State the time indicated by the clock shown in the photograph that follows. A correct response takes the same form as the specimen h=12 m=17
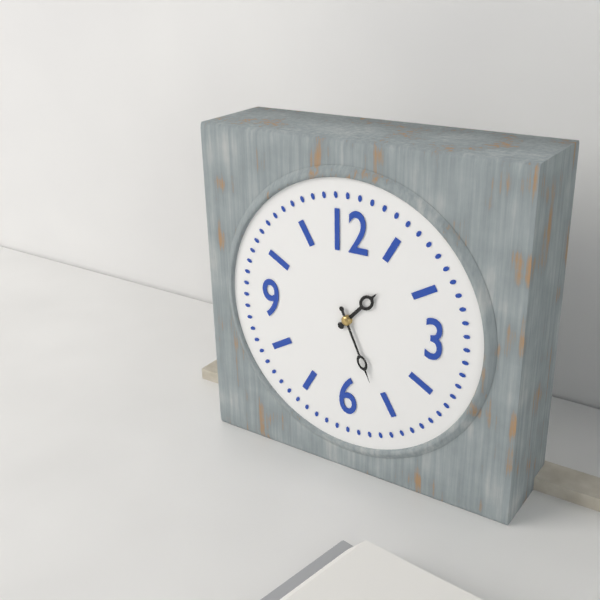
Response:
h=1 m=26
